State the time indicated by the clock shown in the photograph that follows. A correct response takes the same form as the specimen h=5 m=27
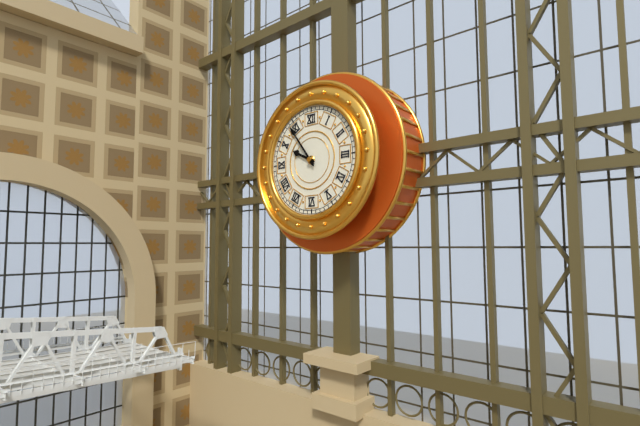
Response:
h=9 m=54
